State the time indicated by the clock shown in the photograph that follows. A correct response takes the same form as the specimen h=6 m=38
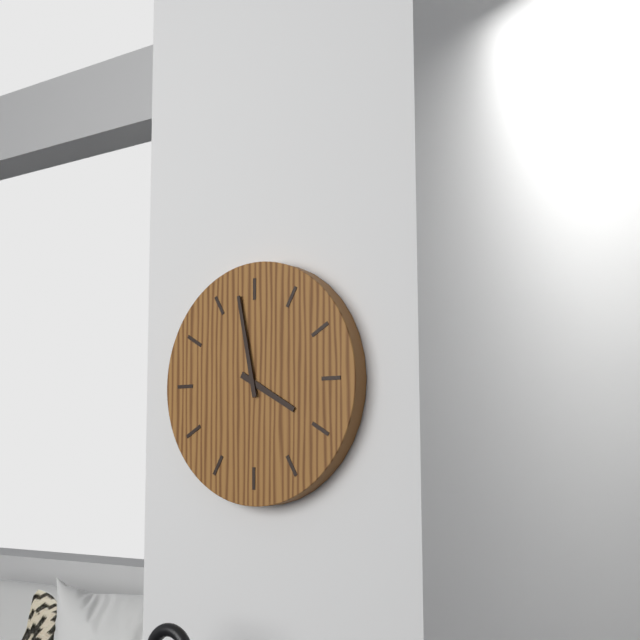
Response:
h=3 m=58
